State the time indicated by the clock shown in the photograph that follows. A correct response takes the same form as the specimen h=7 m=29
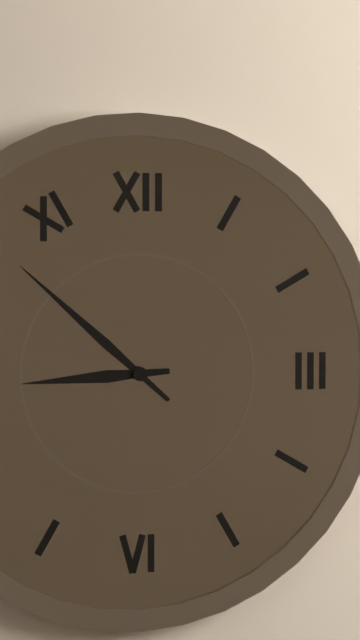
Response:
h=8 m=52
